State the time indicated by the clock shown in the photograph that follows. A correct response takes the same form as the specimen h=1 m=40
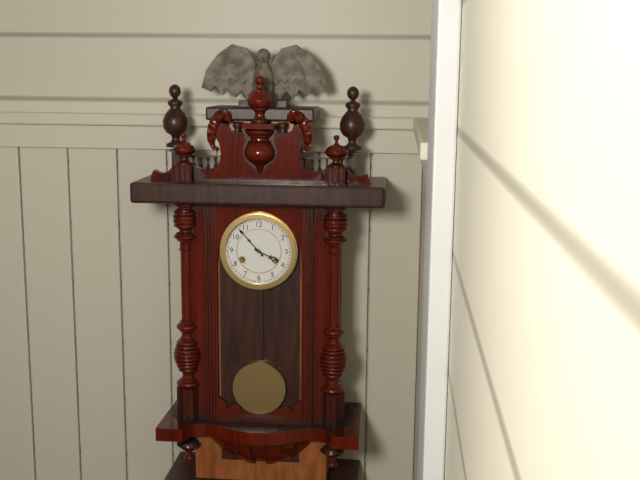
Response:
h=3 m=53
